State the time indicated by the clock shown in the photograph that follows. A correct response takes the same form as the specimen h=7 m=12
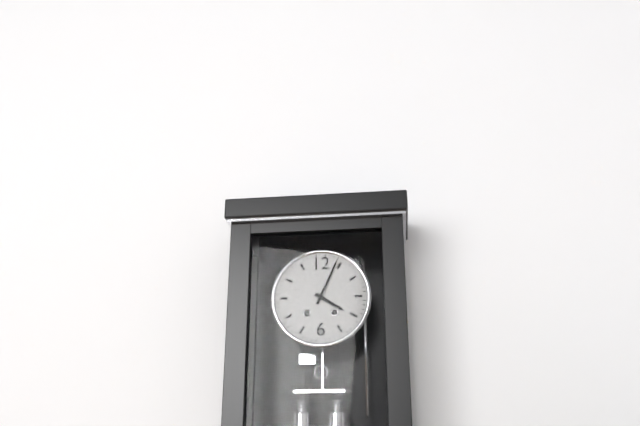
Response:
h=4 m=4
